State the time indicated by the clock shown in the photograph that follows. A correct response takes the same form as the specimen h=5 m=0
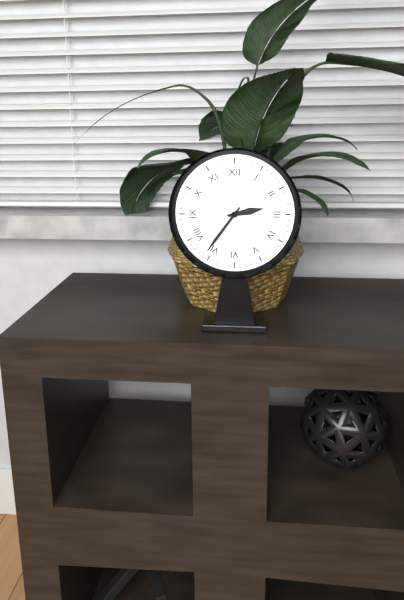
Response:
h=2 m=36
